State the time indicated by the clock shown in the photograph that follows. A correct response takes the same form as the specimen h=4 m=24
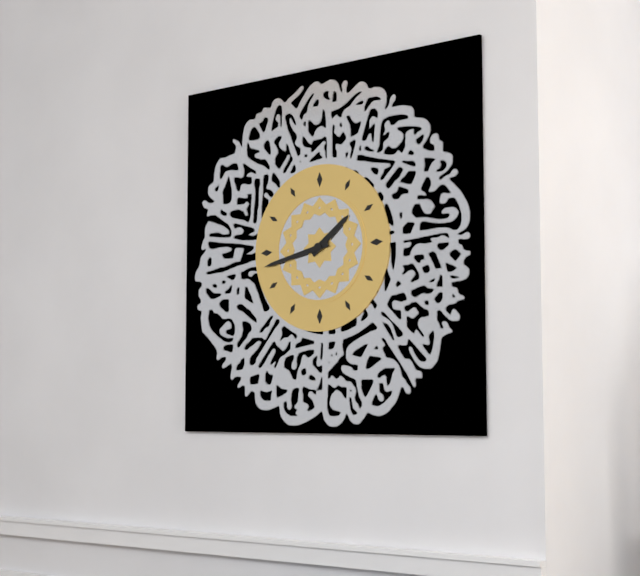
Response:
h=1 m=43
